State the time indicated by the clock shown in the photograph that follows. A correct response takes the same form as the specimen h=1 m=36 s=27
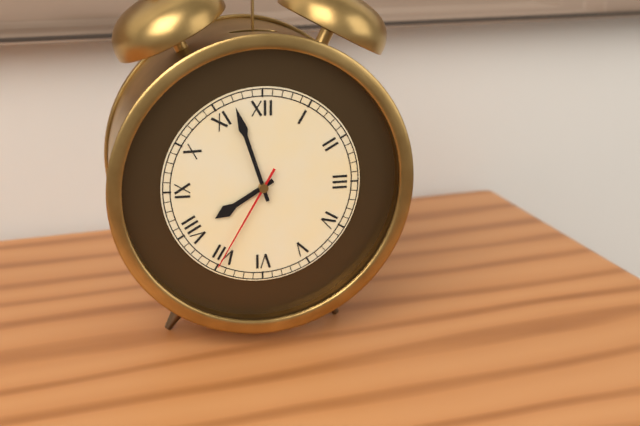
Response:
h=7 m=57 s=35
